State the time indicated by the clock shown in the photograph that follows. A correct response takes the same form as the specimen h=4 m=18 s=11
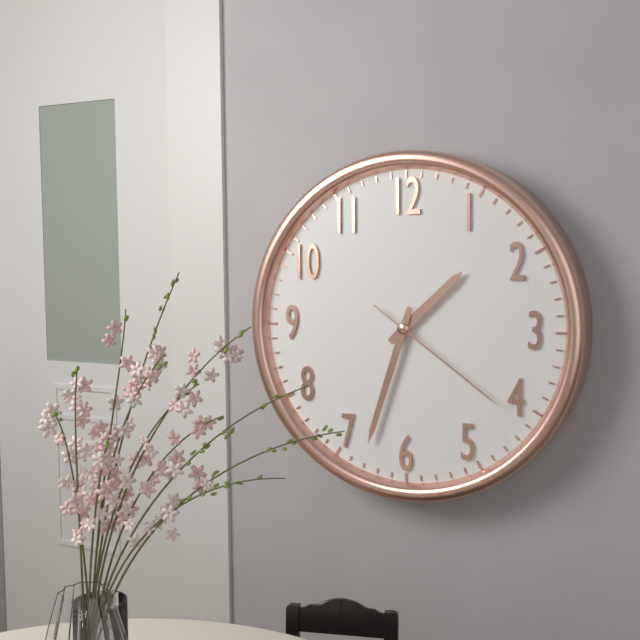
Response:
h=1 m=33 s=21
